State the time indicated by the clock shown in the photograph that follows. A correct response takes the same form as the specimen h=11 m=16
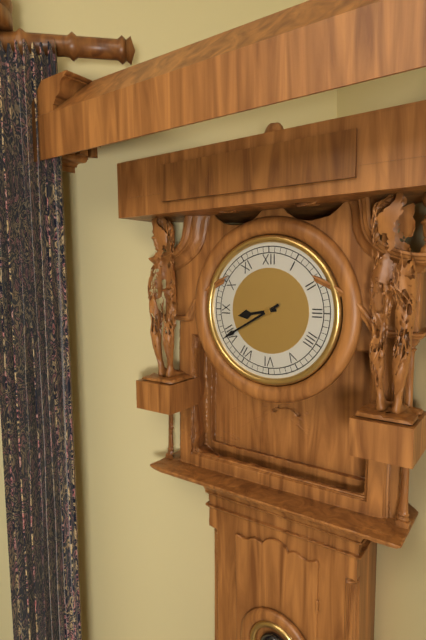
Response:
h=8 m=40
